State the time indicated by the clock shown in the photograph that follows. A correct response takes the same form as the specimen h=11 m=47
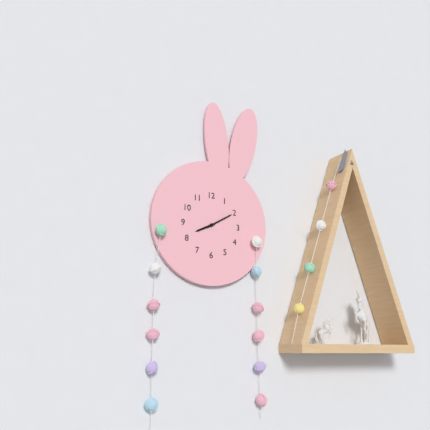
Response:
h=8 m=10
